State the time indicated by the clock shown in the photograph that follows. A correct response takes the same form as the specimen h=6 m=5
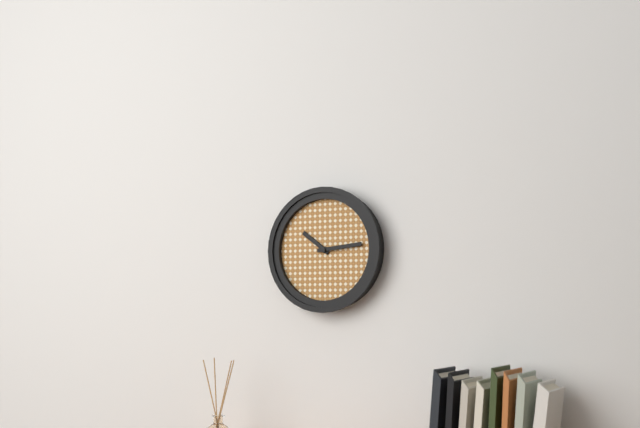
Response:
h=10 m=14
